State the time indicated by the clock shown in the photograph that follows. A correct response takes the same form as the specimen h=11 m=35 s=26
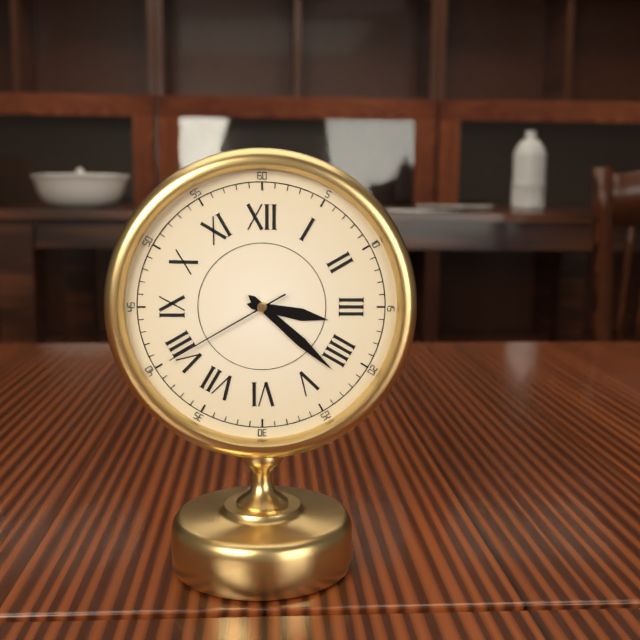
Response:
h=3 m=22 s=40
